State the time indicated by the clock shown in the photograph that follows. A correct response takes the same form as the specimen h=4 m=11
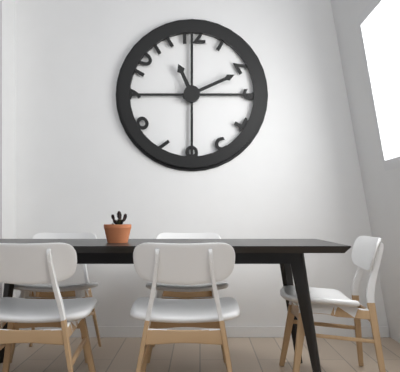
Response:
h=11 m=11
